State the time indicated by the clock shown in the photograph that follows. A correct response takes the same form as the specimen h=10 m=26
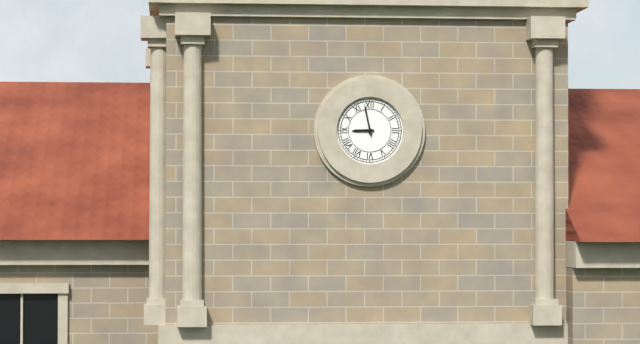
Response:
h=8 m=58
